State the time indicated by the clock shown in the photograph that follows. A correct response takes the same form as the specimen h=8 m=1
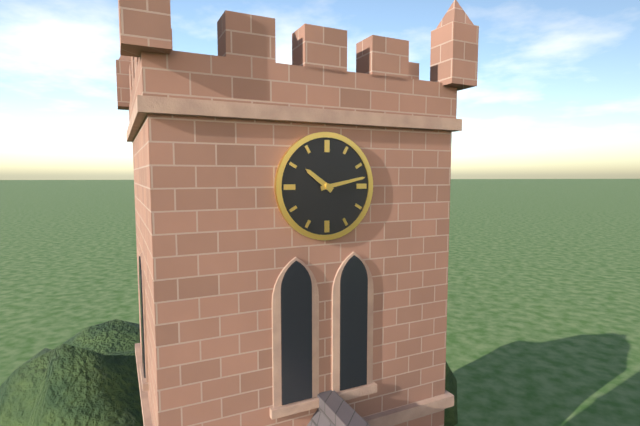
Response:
h=10 m=13
